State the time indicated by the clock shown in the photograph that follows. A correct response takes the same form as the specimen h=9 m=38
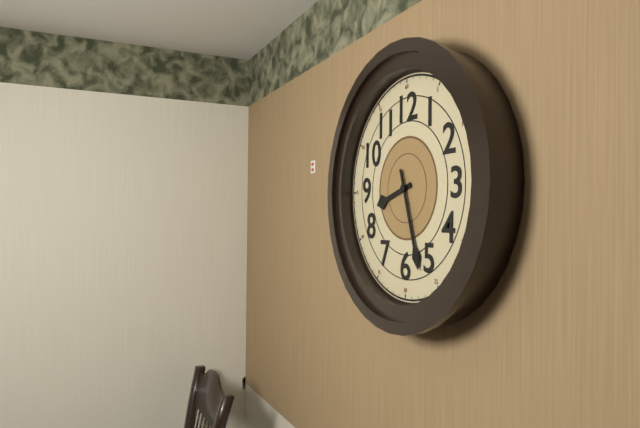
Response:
h=8 m=27
